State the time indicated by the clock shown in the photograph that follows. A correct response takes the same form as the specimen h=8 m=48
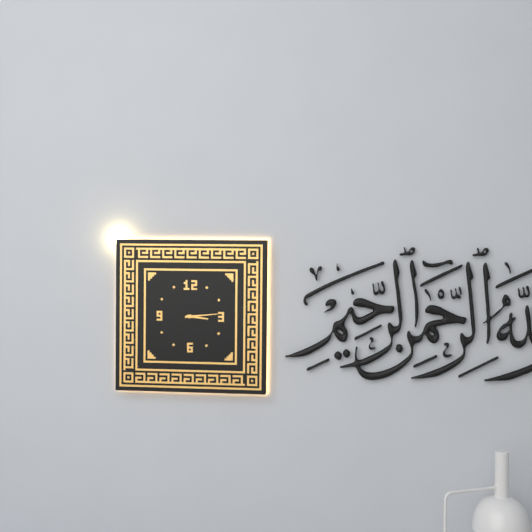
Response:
h=3 m=14
